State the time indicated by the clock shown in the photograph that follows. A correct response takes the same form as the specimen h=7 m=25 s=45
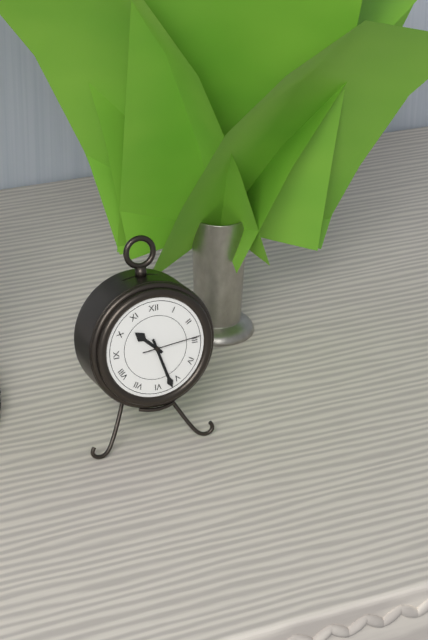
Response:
h=10 m=27 s=14
